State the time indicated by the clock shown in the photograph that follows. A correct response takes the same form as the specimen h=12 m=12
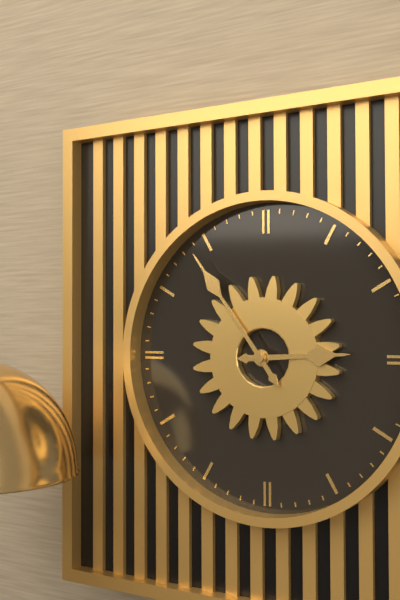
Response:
h=2 m=54
